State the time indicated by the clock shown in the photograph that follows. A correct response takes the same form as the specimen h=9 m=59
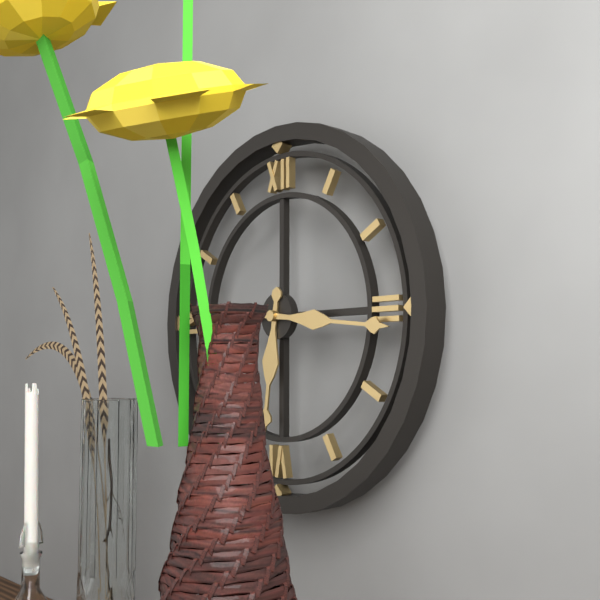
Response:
h=6 m=16
